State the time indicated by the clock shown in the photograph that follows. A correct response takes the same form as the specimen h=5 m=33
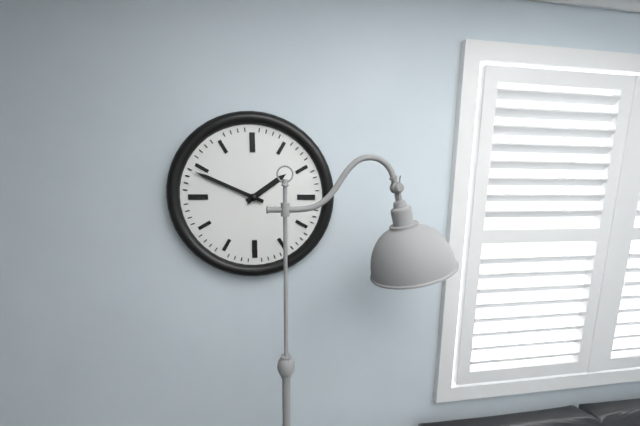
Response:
h=1 m=49
